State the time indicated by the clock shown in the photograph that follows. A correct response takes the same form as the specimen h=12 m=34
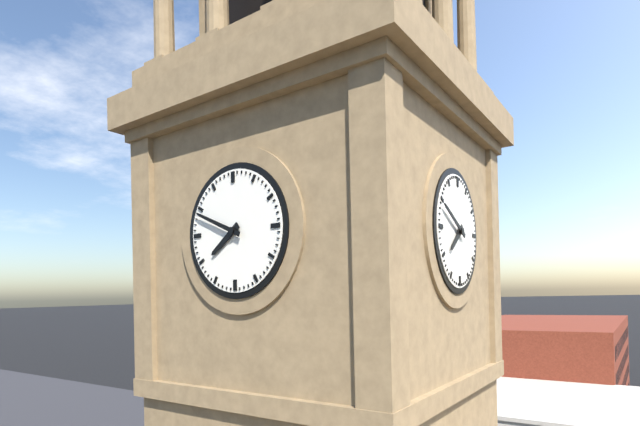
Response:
h=7 m=49
